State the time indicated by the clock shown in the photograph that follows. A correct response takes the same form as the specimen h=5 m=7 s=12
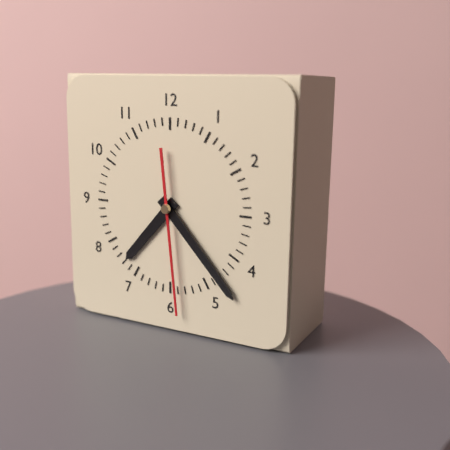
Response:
h=7 m=23 s=29
